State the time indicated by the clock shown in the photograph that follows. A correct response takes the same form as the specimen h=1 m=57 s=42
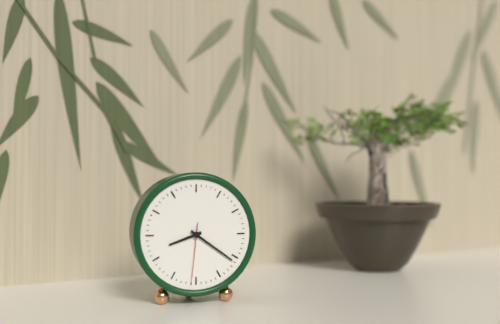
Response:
h=8 m=21 s=31
